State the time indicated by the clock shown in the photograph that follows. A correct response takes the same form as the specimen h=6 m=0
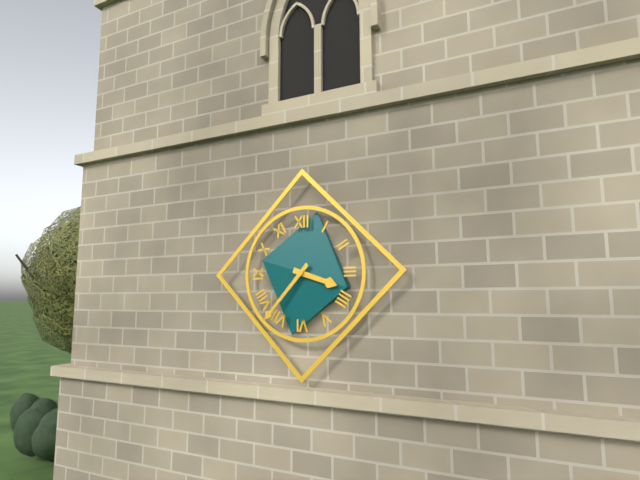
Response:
h=3 m=37
